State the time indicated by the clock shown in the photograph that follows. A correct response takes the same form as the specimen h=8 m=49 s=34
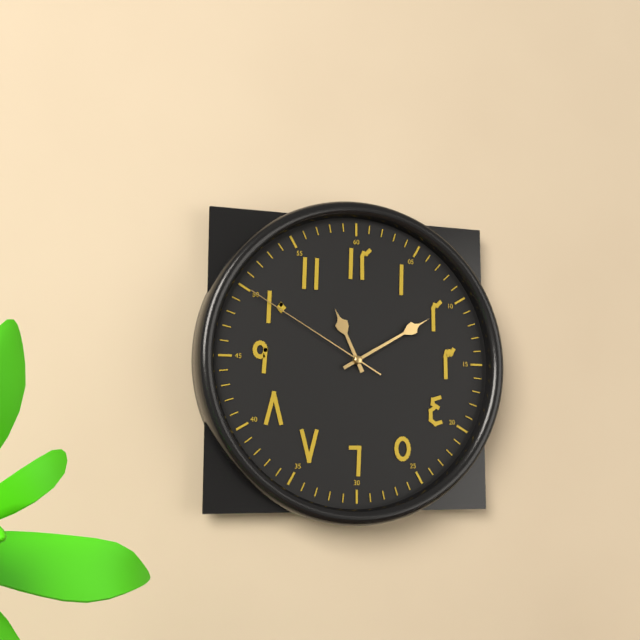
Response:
h=11 m=10 s=50
